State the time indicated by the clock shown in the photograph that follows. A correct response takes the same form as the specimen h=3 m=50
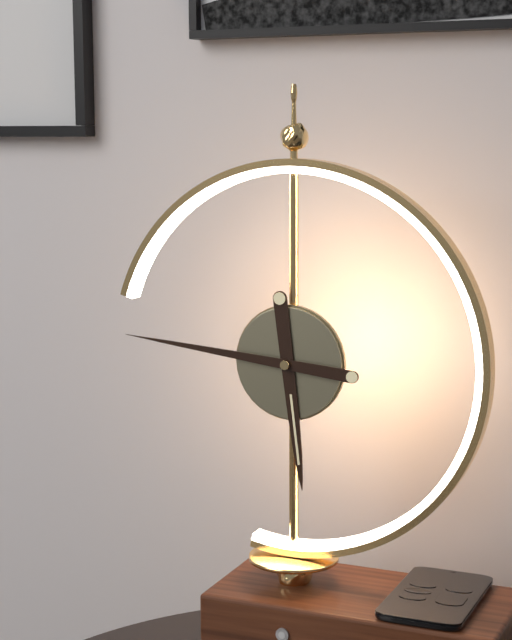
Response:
h=5 m=46
